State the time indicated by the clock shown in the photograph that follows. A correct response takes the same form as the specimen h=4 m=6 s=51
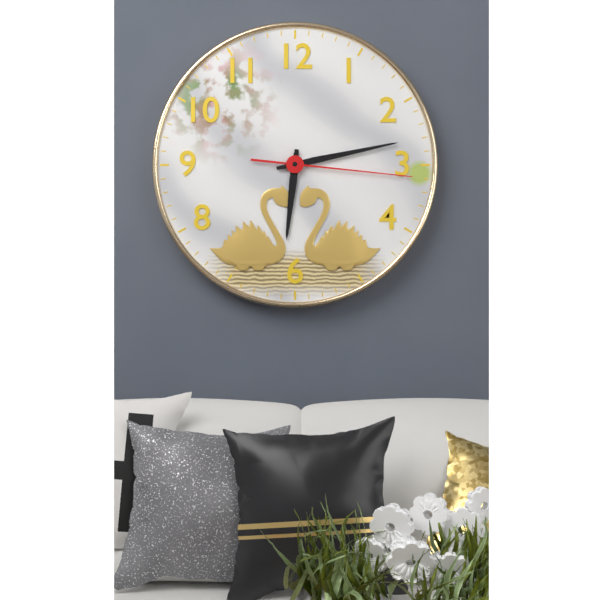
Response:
h=6 m=13 s=16
